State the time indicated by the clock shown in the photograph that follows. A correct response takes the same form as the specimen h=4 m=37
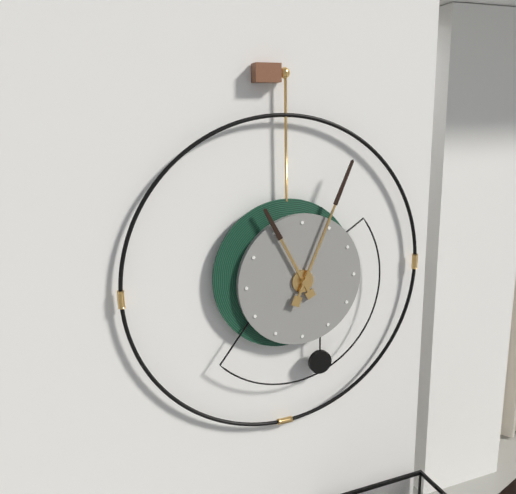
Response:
h=11 m=4
